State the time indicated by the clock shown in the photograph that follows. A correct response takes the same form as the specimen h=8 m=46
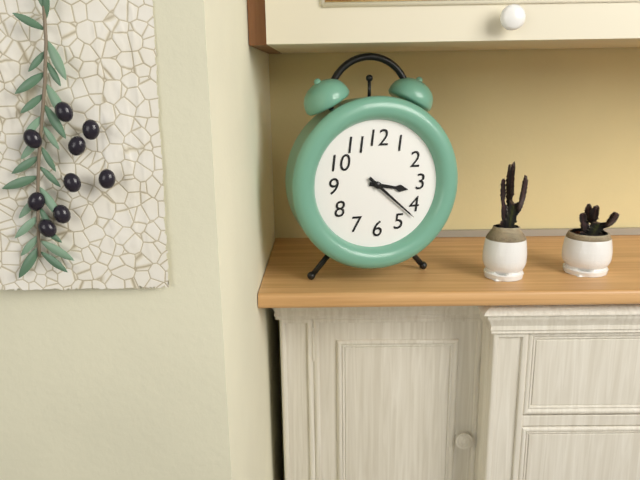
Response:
h=3 m=22
